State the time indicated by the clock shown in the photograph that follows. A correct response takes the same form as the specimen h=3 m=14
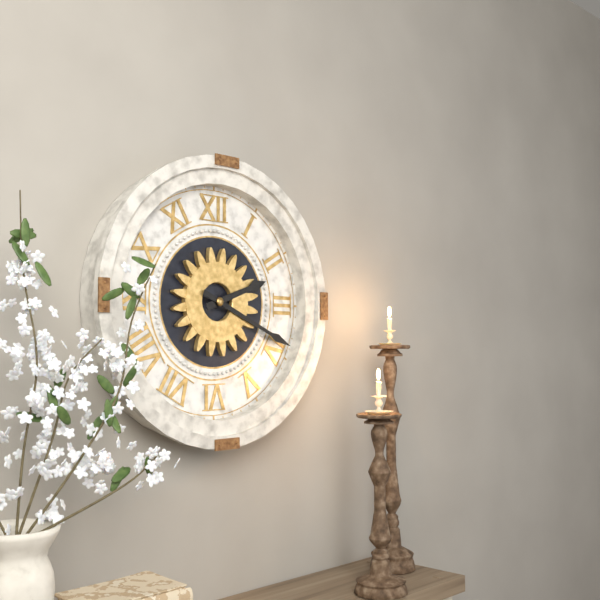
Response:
h=2 m=19
